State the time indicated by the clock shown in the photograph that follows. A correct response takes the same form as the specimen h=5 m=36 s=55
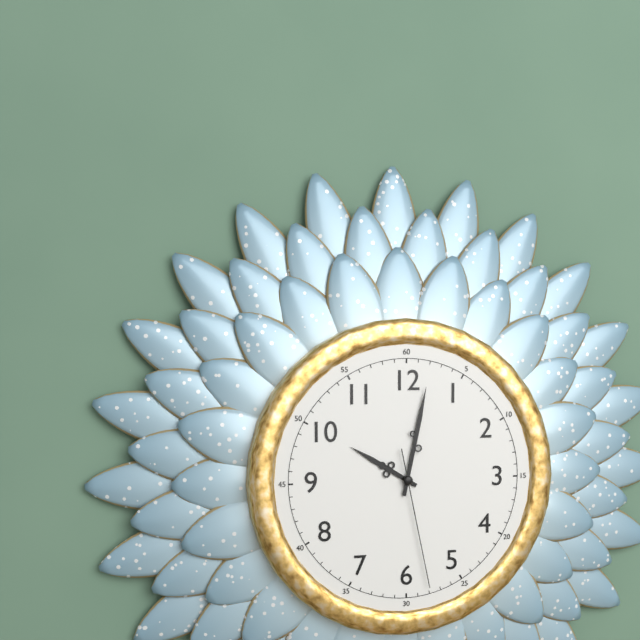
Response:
h=10 m=2 s=28
